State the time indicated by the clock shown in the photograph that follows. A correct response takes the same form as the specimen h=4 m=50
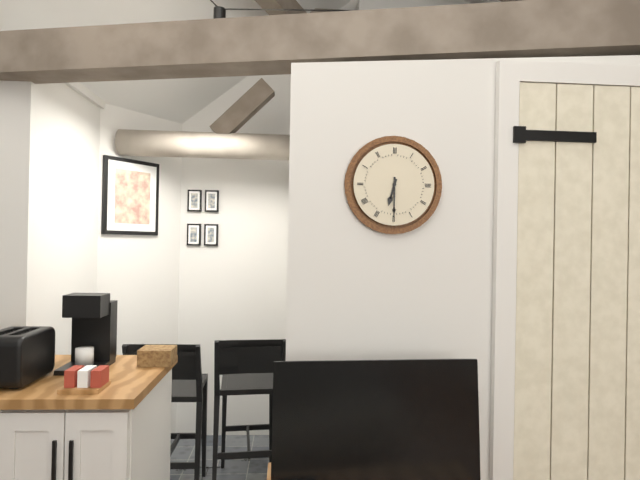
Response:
h=6 m=30
